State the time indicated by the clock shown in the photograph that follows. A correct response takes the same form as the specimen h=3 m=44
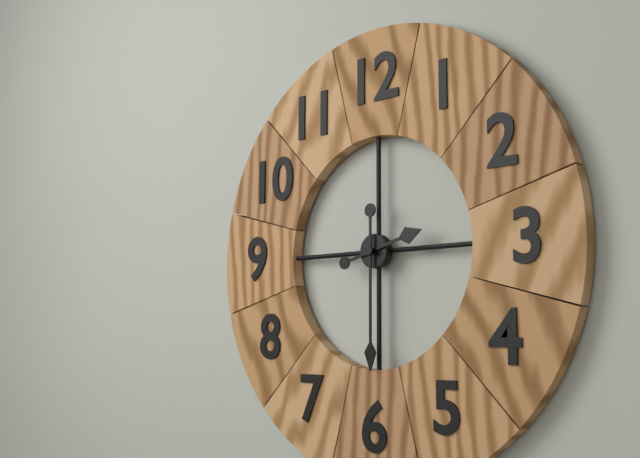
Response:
h=2 m=30
